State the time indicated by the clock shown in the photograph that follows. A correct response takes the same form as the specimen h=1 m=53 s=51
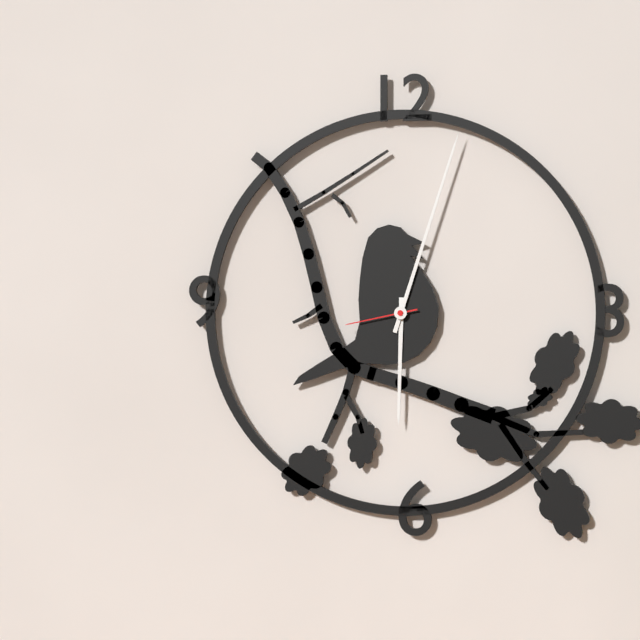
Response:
h=6 m=3 s=43
